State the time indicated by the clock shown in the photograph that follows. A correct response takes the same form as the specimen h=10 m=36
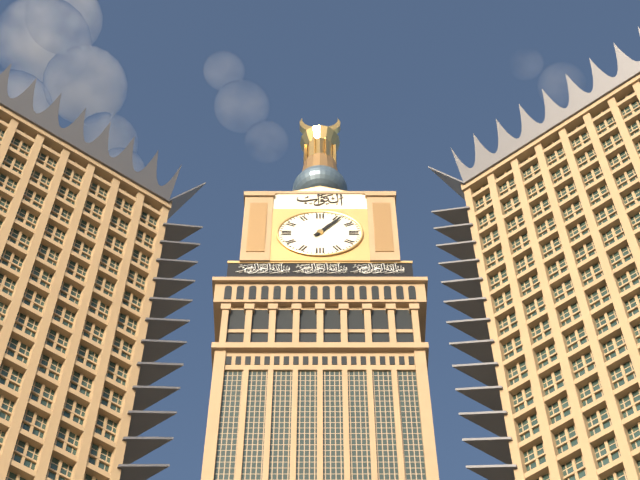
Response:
h=1 m=6
